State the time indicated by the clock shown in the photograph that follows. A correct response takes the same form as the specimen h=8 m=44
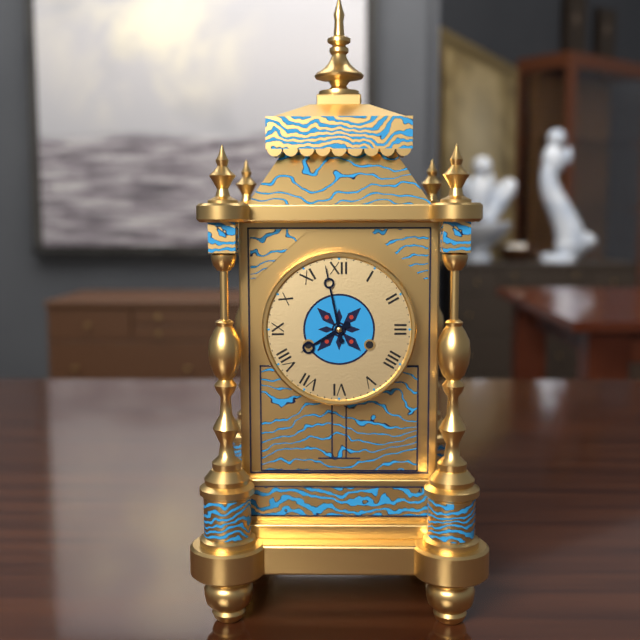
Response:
h=7 m=58
